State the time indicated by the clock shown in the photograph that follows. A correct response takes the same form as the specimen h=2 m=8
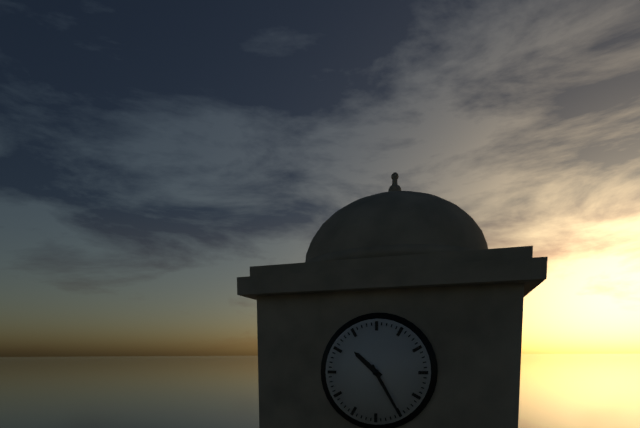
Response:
h=10 m=25
